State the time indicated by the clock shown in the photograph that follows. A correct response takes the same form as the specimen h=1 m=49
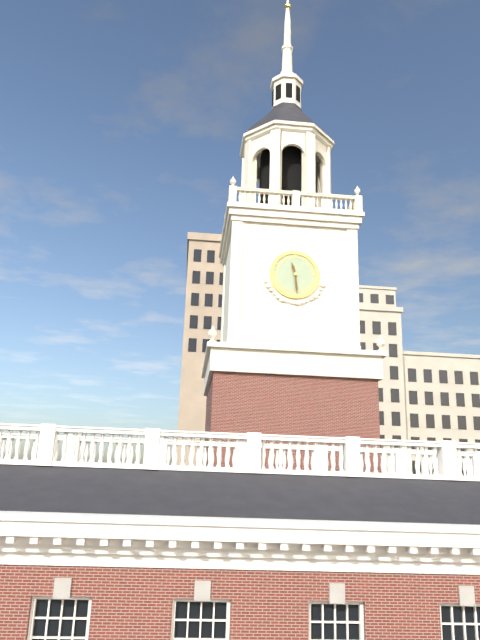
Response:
h=11 m=29
